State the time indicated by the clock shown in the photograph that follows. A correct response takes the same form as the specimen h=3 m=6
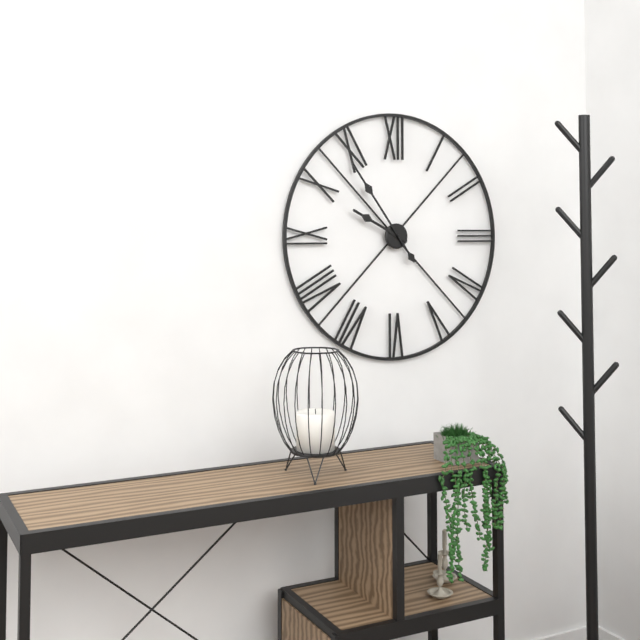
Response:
h=9 m=54
